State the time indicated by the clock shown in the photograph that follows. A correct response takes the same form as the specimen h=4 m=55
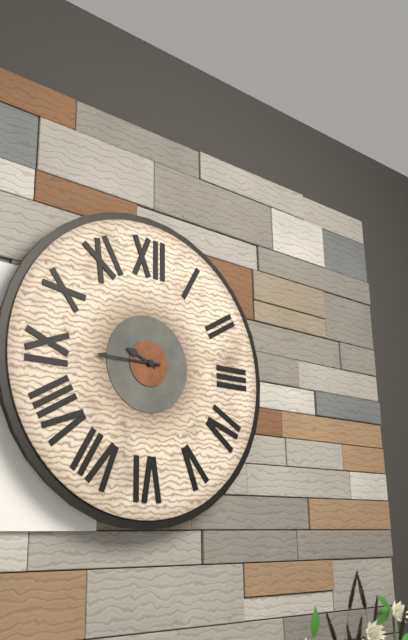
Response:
h=9 m=45
